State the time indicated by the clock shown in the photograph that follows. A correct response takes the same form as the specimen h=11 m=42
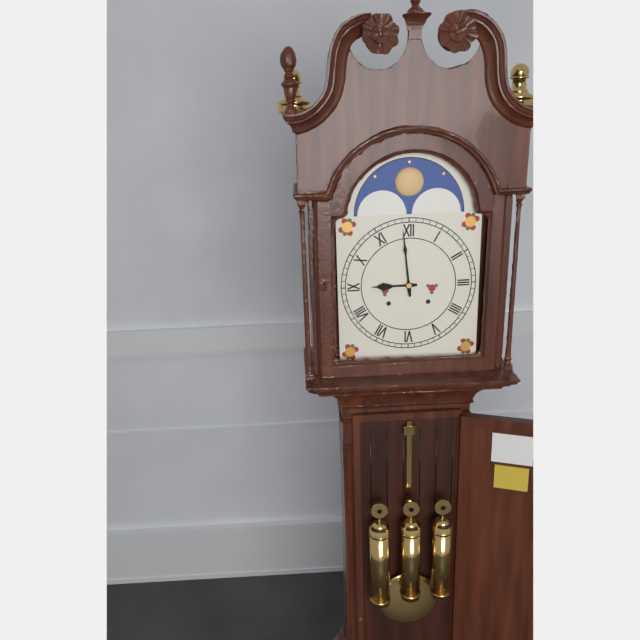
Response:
h=8 m=59
